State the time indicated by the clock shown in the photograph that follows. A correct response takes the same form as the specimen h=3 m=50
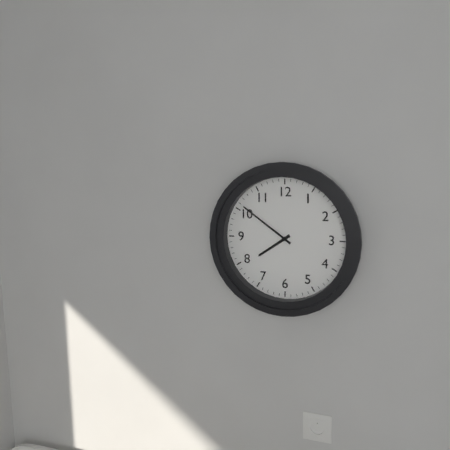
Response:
h=7 m=51
